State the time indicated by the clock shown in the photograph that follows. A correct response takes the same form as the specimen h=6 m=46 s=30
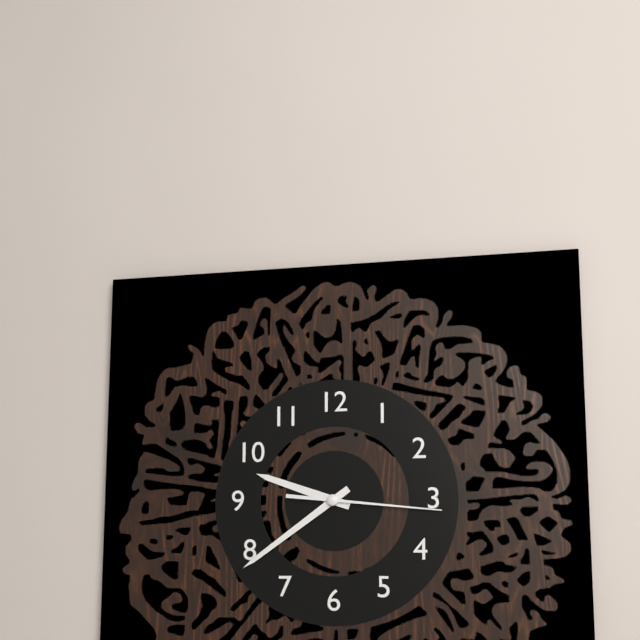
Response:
h=9 m=39 s=16
